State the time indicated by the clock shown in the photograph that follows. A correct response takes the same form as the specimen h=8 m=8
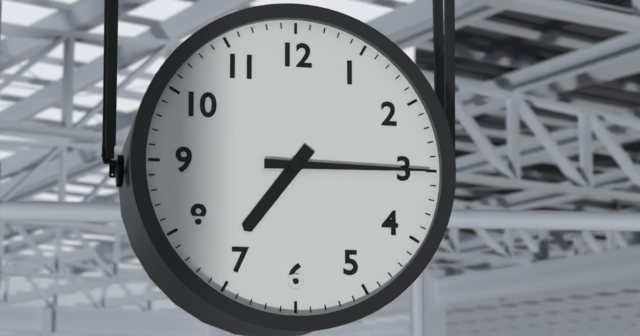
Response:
h=7 m=15
